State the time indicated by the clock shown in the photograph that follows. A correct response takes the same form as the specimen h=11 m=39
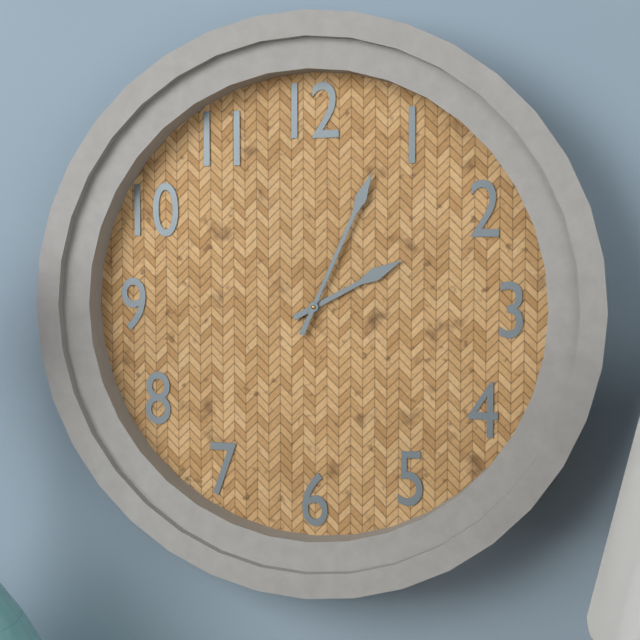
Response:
h=2 m=4
